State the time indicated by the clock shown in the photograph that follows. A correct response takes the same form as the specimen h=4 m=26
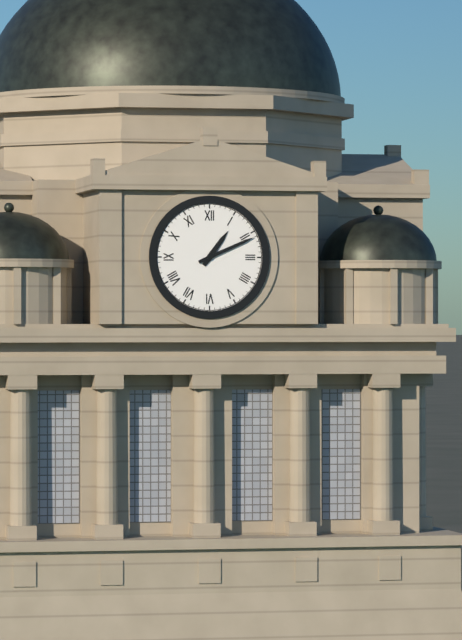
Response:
h=1 m=11
